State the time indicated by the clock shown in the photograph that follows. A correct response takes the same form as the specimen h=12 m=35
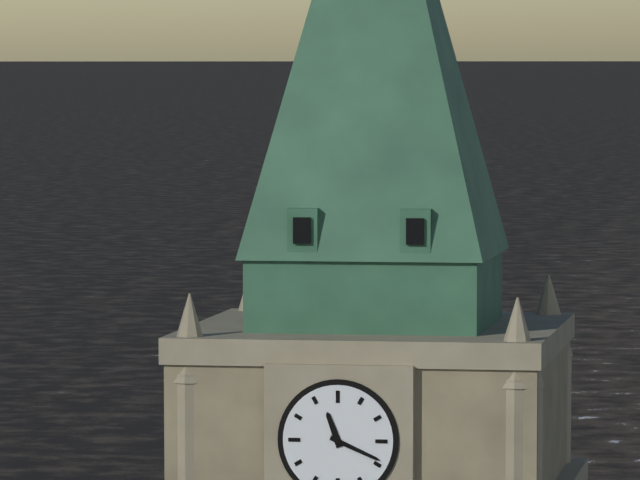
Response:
h=11 m=19
